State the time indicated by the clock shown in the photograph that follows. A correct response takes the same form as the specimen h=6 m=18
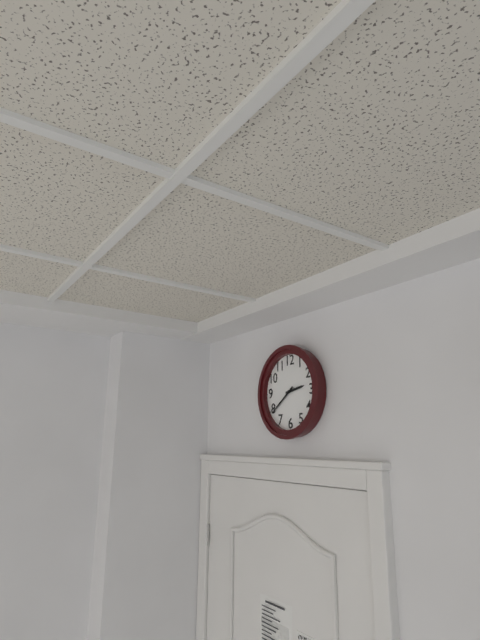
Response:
h=2 m=39
